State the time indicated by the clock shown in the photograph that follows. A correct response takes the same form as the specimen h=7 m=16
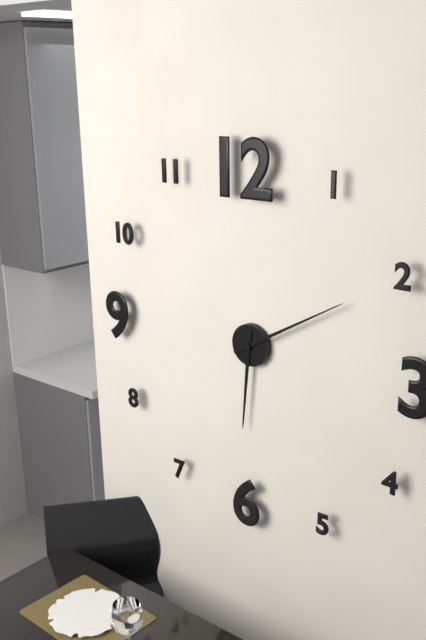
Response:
h=6 m=10
